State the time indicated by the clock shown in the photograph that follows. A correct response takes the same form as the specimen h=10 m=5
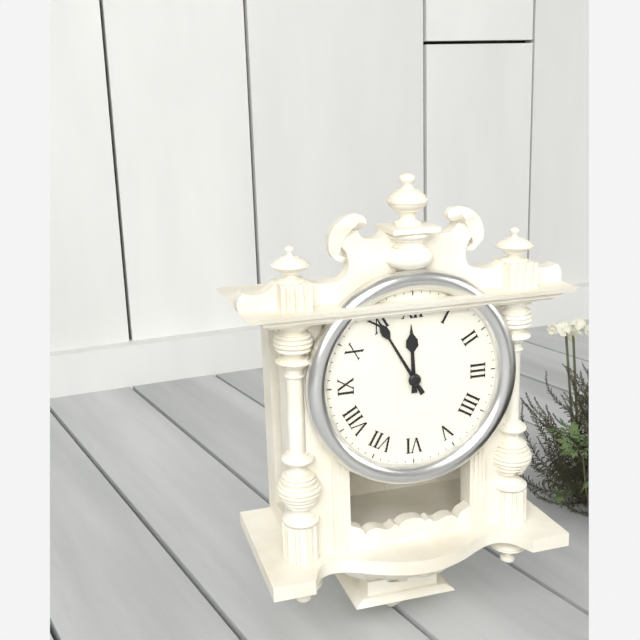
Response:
h=11 m=55
